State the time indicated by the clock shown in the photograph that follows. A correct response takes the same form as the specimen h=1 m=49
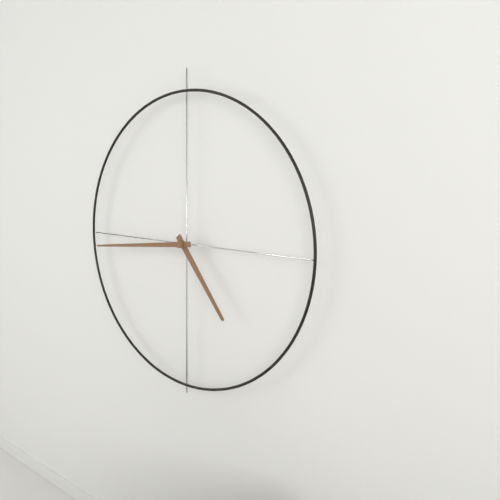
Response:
h=4 m=44
